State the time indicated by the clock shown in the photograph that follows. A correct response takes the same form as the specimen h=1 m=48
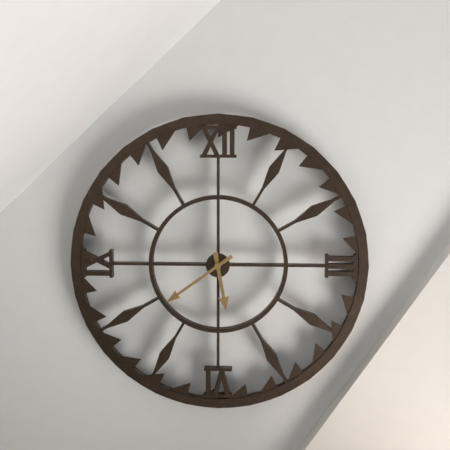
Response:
h=5 m=39
